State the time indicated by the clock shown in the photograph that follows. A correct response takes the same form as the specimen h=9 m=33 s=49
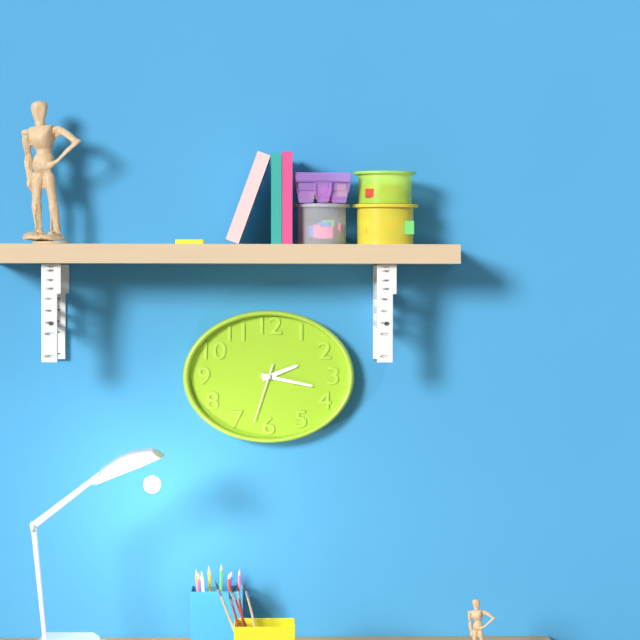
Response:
h=2 m=17 s=33
